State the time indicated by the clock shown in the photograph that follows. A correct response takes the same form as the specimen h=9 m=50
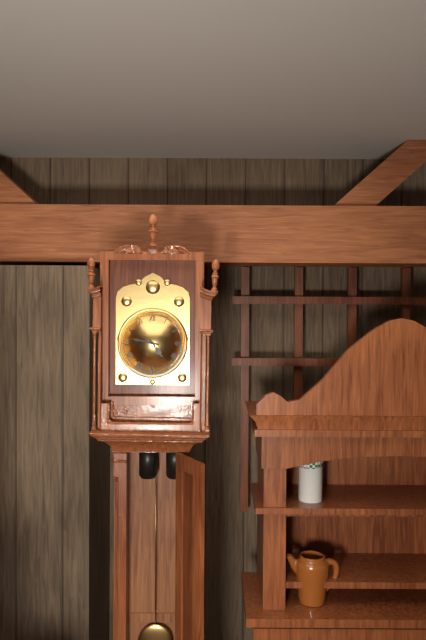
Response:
h=4 m=47
